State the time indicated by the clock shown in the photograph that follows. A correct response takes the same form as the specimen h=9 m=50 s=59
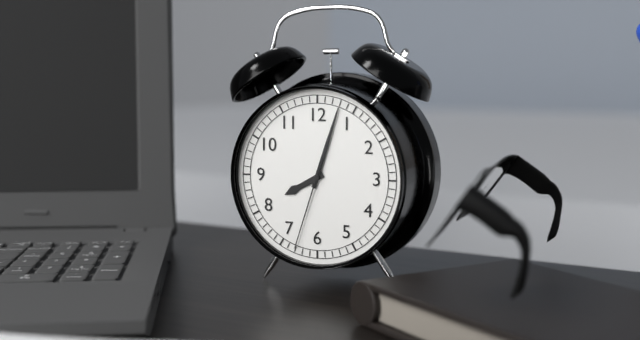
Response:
h=8 m=3 s=33
